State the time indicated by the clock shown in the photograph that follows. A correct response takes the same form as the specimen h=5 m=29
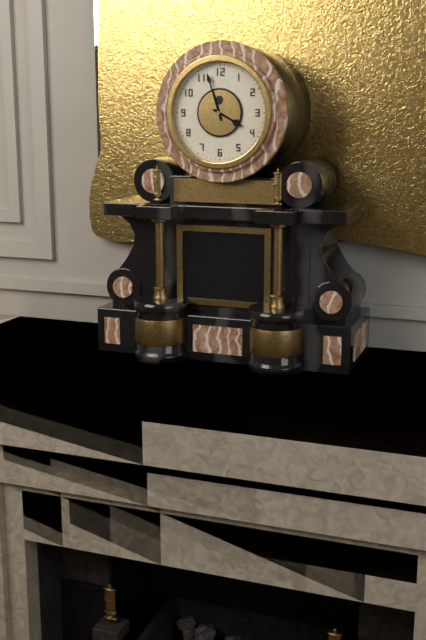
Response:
h=3 m=57
